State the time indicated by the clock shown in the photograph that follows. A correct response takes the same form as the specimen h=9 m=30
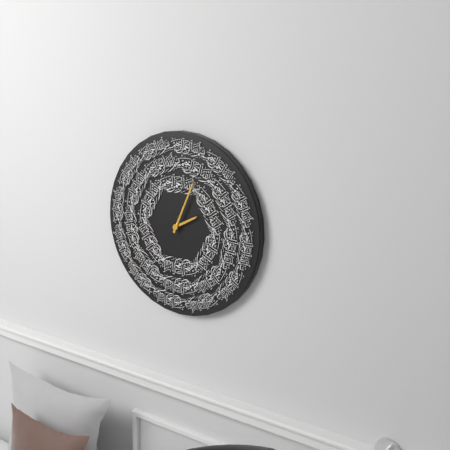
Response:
h=2 m=4
